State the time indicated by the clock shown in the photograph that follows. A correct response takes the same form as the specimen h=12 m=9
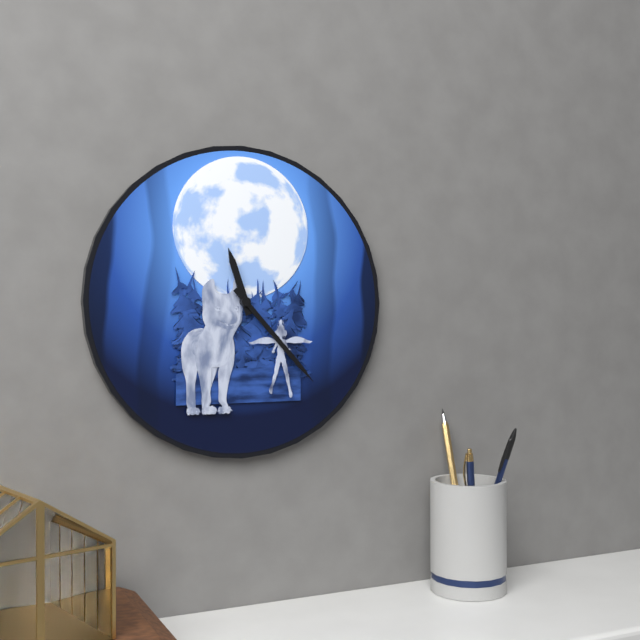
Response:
h=11 m=23
